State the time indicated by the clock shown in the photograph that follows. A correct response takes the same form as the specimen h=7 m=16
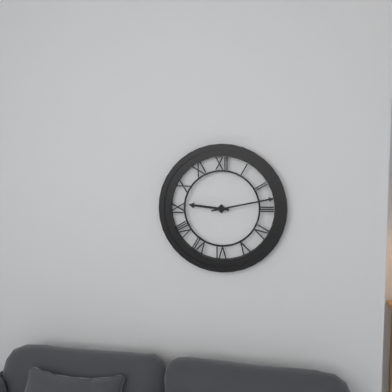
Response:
h=9 m=13
